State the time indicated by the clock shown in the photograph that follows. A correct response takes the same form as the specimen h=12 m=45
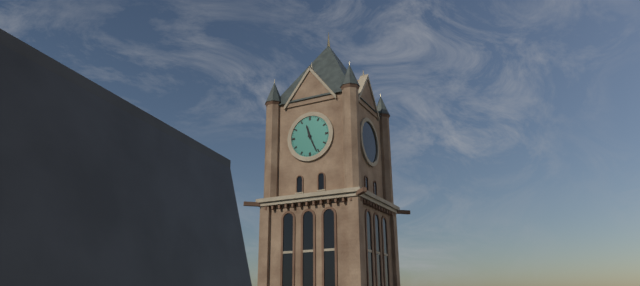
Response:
h=11 m=26
